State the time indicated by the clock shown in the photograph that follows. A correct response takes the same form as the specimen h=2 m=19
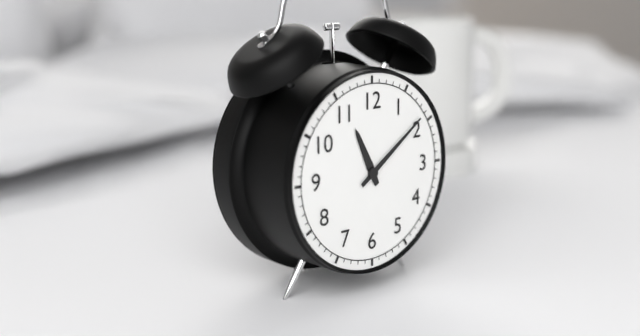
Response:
h=11 m=9
